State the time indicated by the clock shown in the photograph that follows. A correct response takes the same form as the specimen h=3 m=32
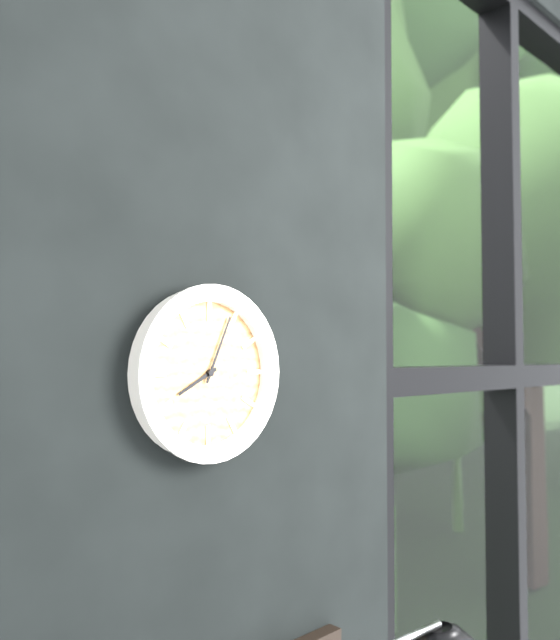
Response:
h=8 m=4
